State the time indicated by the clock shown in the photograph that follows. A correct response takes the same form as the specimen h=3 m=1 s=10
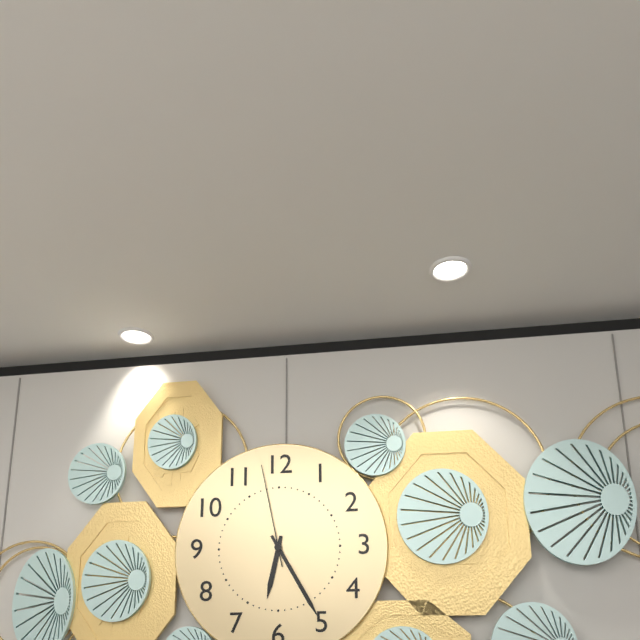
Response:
h=6 m=25 s=58
